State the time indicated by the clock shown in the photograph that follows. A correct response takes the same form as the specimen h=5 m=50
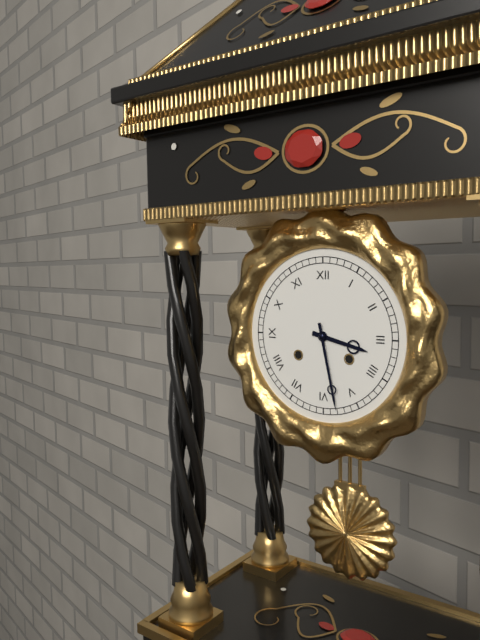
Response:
h=3 m=28
